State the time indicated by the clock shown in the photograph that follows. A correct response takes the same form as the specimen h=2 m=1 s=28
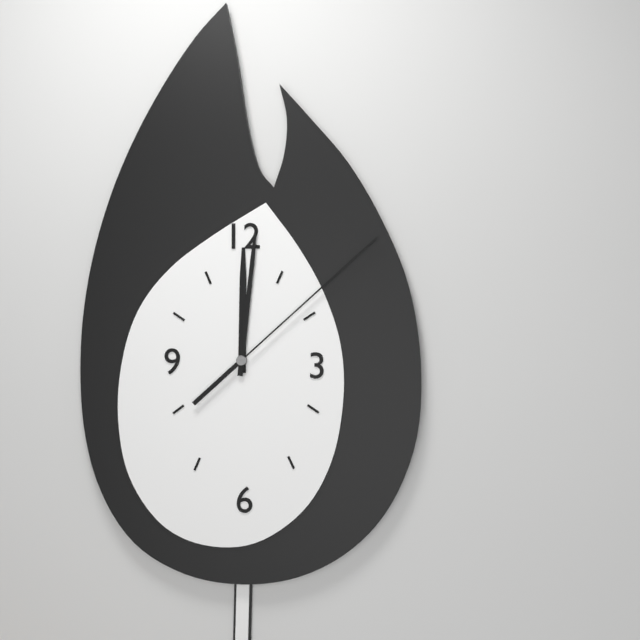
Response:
h=12 m=1 s=8
